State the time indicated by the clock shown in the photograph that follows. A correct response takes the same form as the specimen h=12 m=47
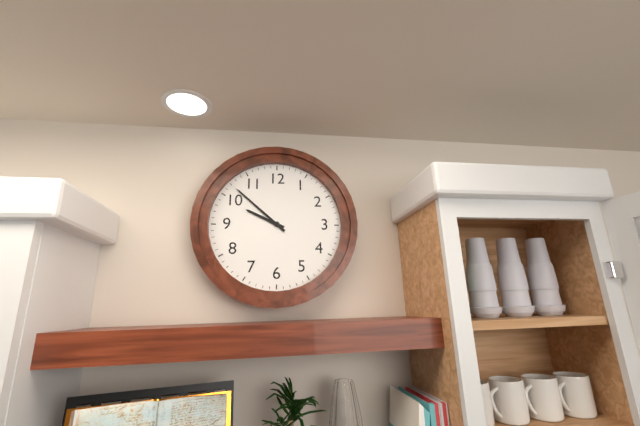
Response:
h=9 m=52
